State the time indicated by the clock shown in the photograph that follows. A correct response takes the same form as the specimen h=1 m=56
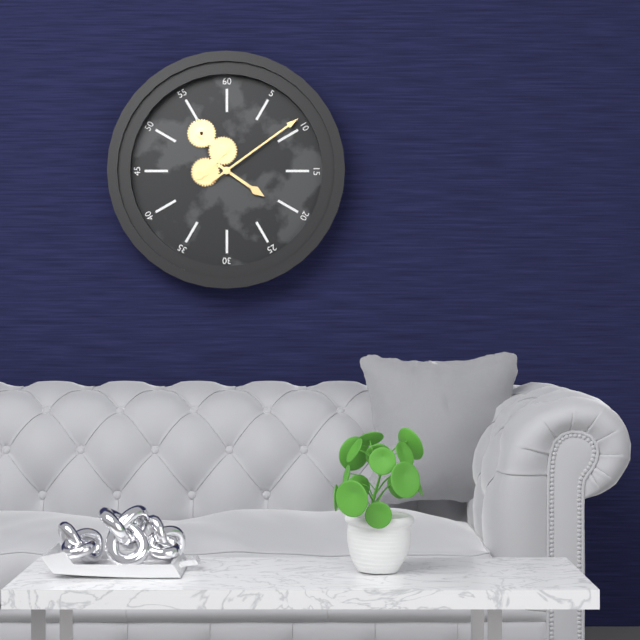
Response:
h=4 m=9
